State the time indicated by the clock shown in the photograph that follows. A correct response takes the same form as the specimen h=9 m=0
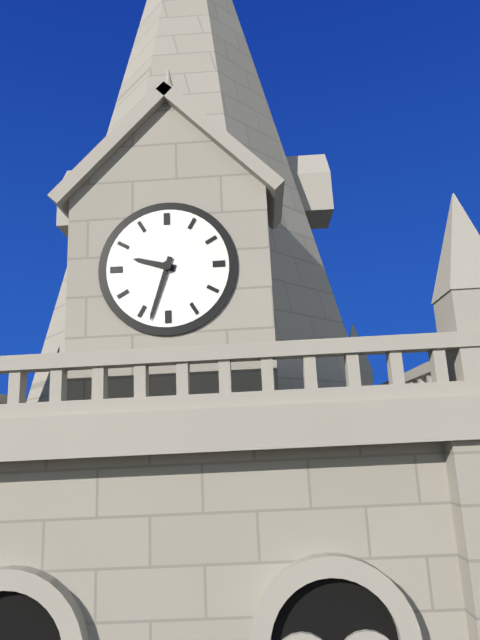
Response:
h=9 m=33
